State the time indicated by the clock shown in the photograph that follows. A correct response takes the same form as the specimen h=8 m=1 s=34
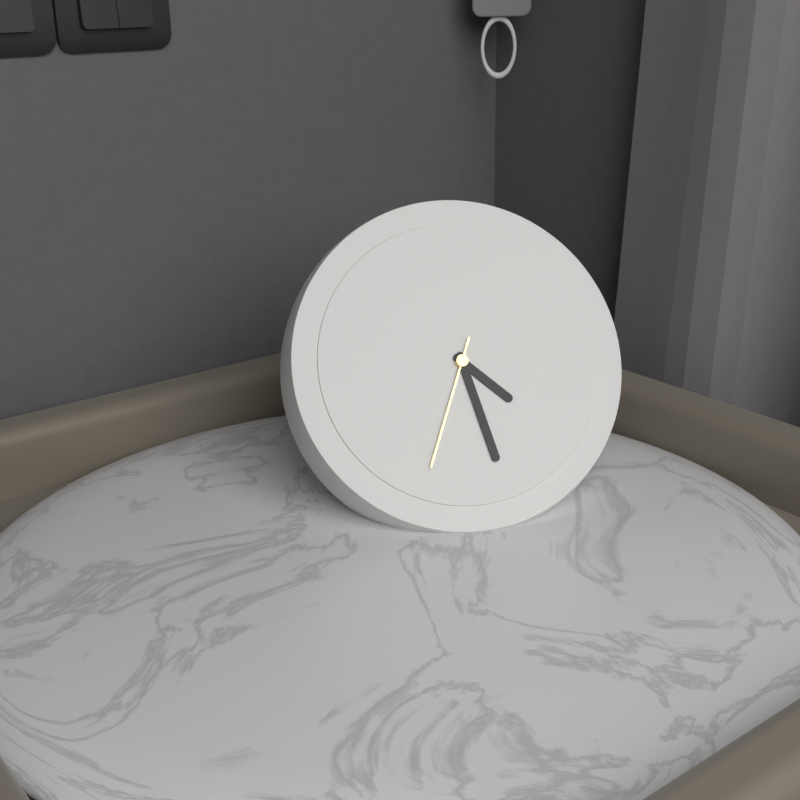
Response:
h=4 m=28 s=34
